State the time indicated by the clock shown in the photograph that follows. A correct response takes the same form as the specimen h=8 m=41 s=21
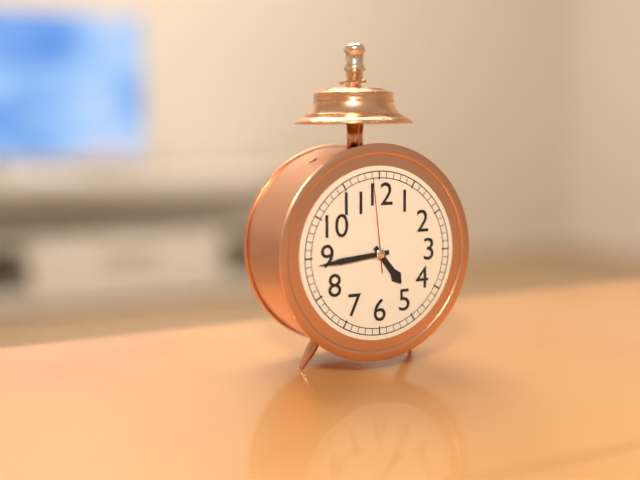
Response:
h=4 m=44 s=59
